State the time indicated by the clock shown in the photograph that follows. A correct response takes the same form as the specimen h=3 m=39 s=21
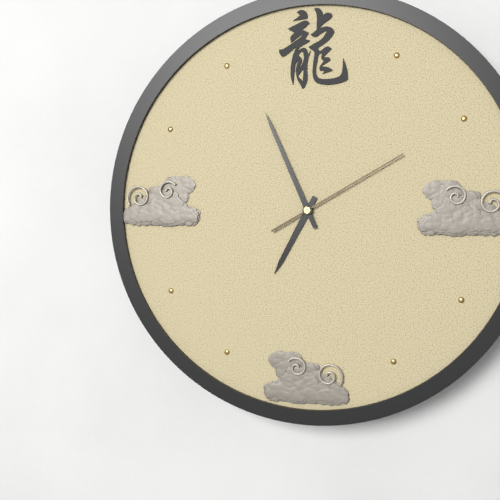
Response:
h=6 m=56 s=10
